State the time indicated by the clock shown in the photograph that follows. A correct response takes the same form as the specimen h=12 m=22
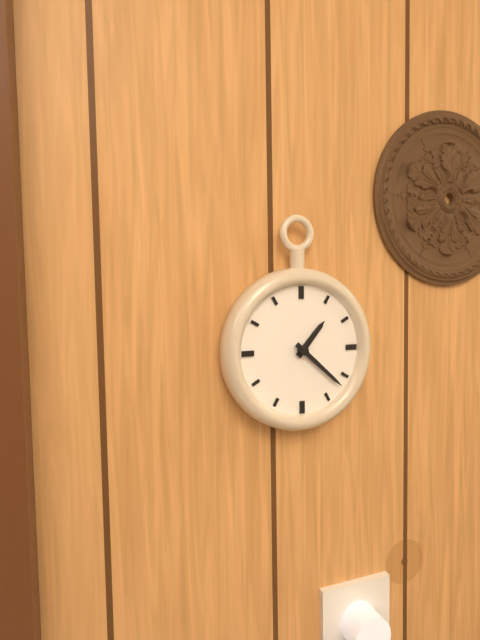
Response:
h=1 m=22
